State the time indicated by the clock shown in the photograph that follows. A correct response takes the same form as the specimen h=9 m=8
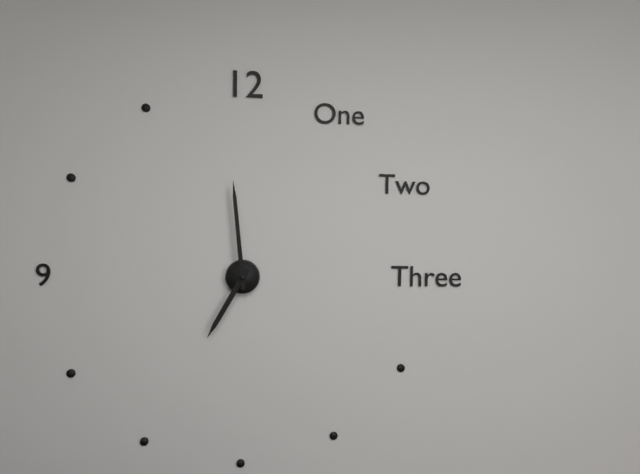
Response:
h=6 m=59
